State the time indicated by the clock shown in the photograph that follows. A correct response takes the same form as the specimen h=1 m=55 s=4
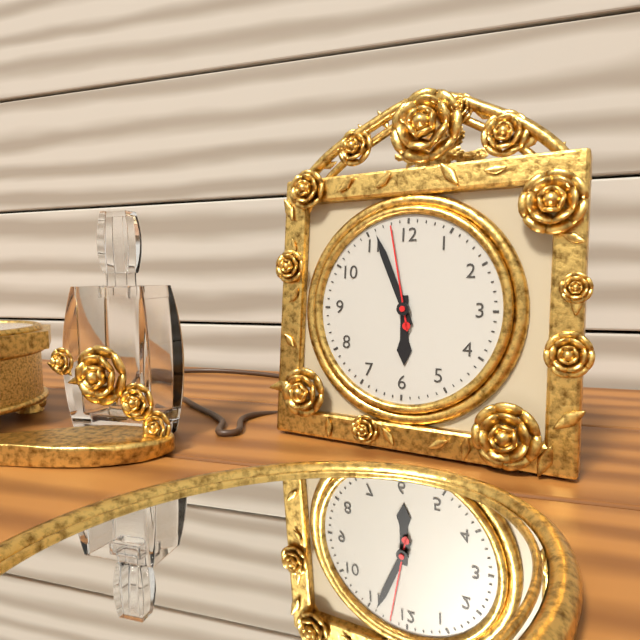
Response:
h=5 m=56 s=58
